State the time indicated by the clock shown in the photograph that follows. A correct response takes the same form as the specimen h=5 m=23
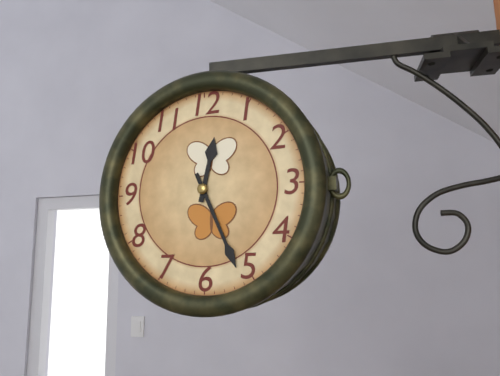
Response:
h=12 m=26
